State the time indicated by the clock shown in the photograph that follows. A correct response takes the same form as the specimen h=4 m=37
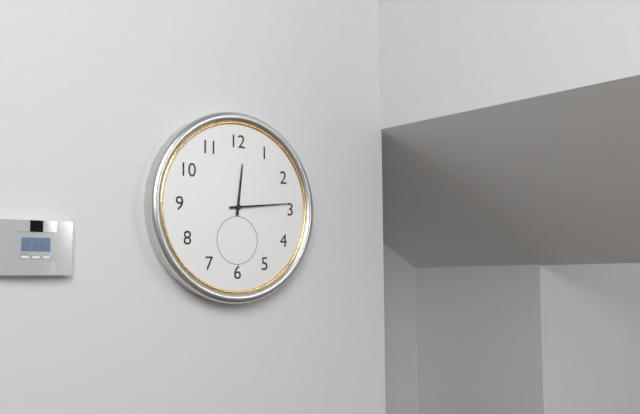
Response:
h=12 m=14
